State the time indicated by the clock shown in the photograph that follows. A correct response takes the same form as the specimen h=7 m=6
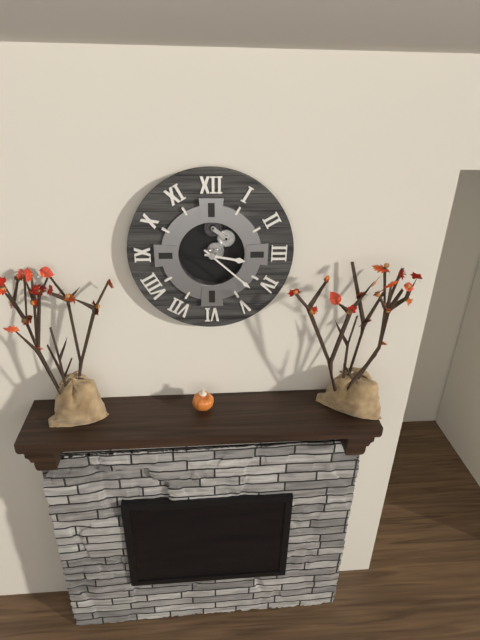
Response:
h=3 m=22
